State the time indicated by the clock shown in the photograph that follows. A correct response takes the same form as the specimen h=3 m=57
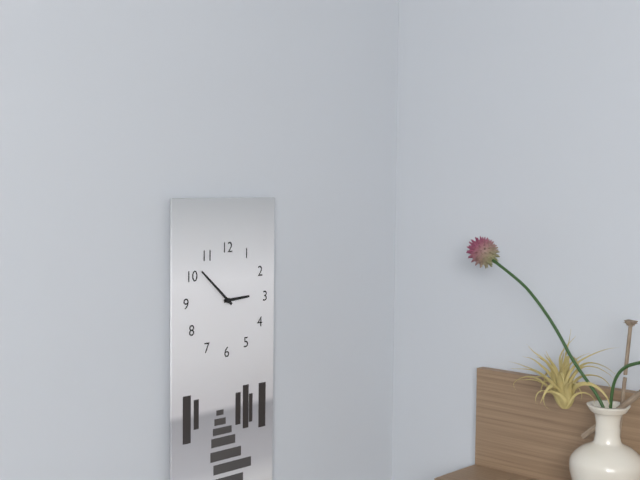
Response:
h=2 m=52
